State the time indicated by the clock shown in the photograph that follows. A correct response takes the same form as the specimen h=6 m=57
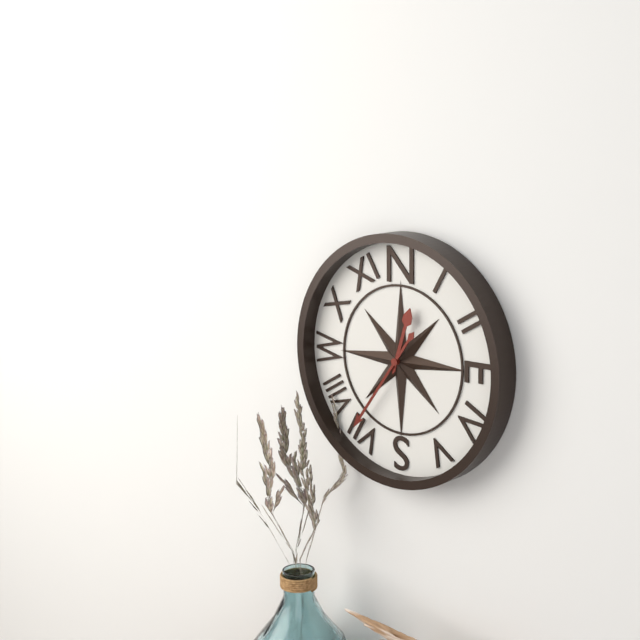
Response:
h=12 m=36
